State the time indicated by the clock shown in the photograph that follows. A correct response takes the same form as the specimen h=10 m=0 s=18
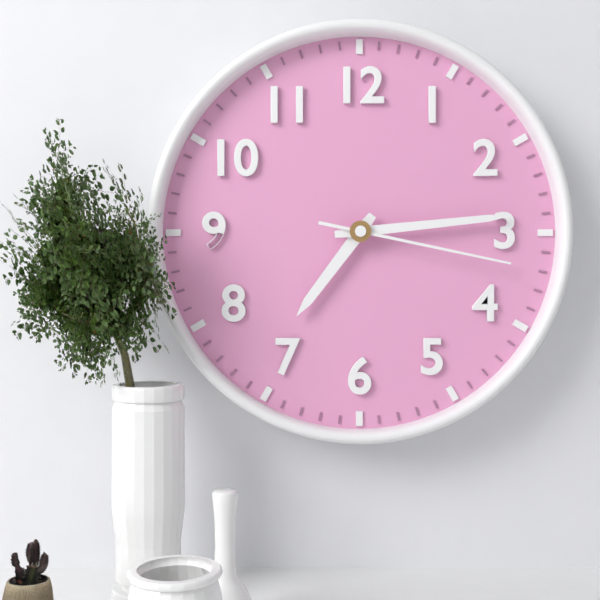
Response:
h=7 m=14 s=17
